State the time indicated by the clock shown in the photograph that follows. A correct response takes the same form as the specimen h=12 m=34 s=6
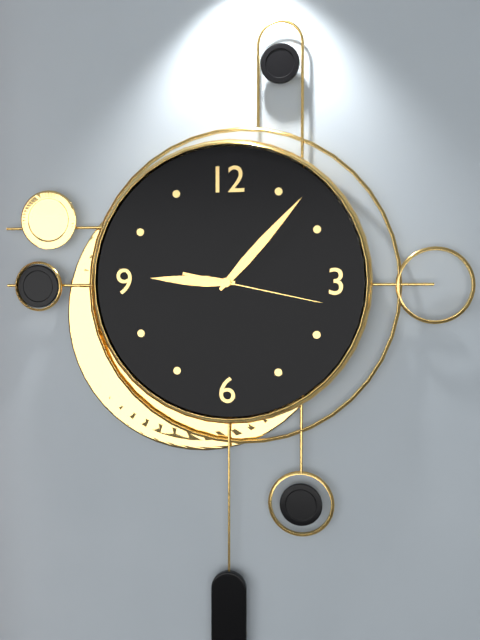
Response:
h=9 m=7 s=17
